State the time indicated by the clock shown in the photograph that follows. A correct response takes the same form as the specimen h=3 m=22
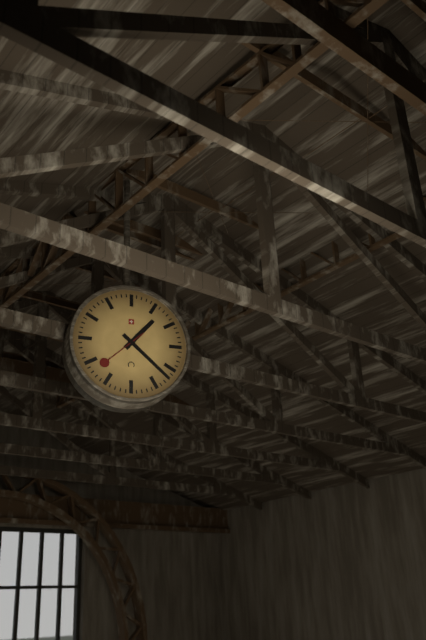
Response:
h=1 m=22
